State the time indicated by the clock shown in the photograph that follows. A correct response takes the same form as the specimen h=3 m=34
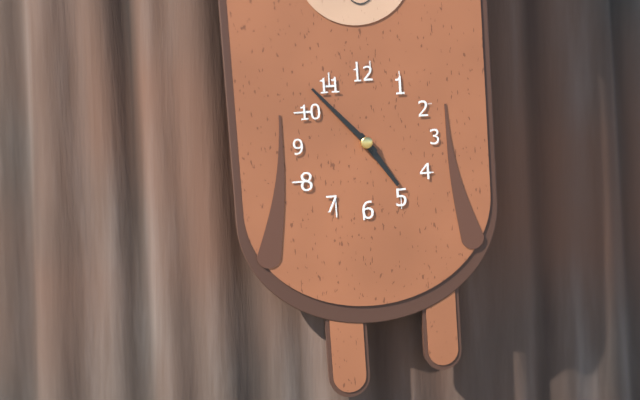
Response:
h=4 m=53
